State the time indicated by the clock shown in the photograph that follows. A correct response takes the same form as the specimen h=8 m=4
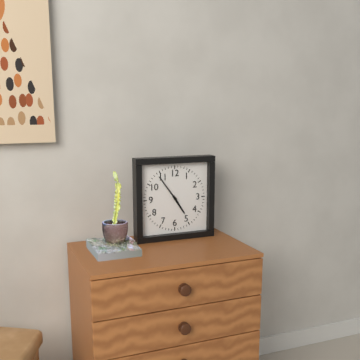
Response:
h=4 m=54
